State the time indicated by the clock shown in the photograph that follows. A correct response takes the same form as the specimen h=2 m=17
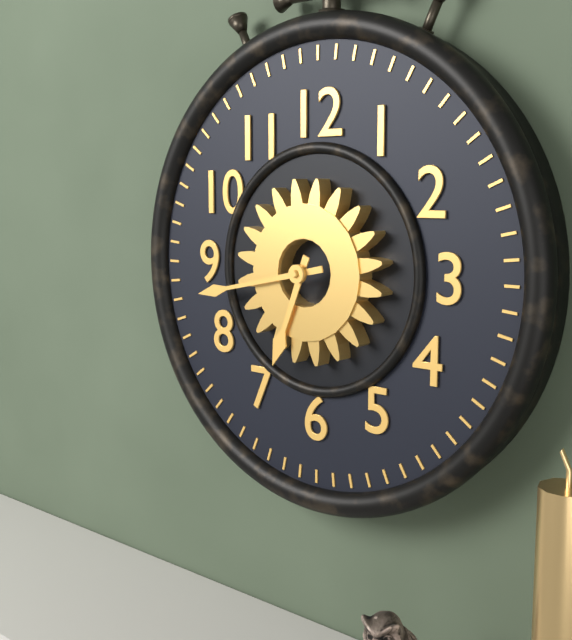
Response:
h=6 m=43
